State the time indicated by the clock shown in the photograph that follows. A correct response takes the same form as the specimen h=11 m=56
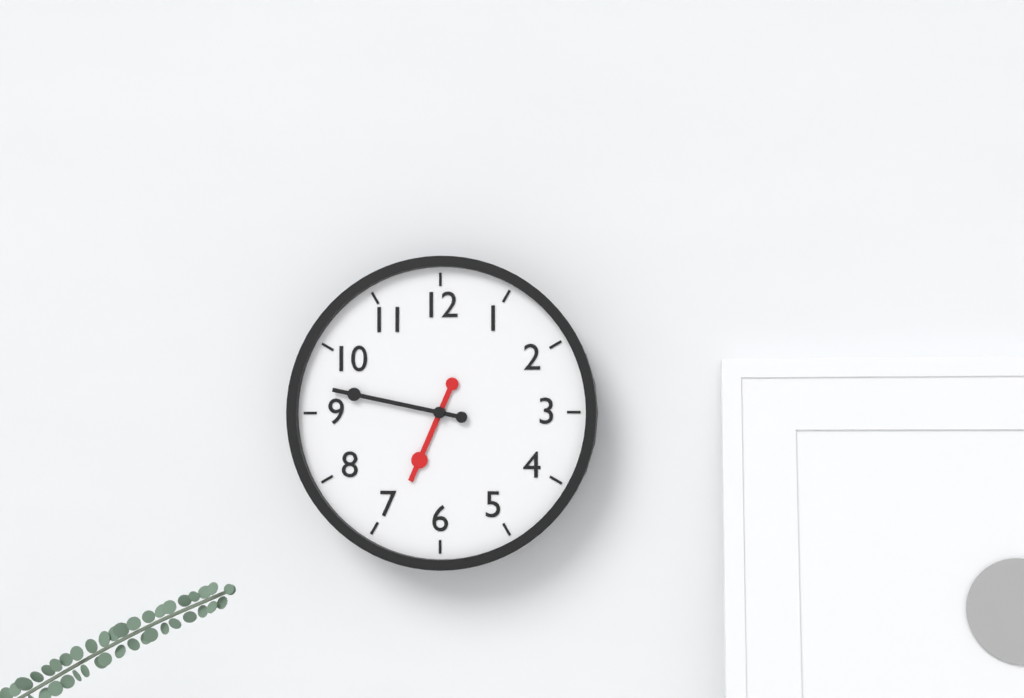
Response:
h=6 m=47
